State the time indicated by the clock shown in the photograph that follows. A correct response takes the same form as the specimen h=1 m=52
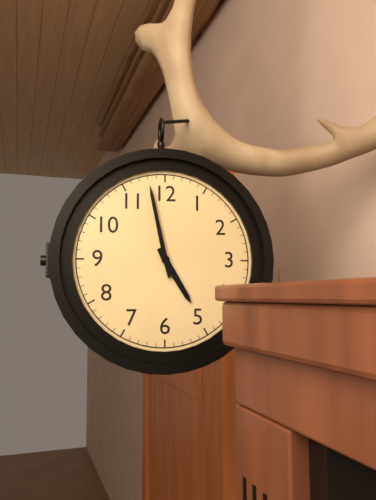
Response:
h=4 m=58
